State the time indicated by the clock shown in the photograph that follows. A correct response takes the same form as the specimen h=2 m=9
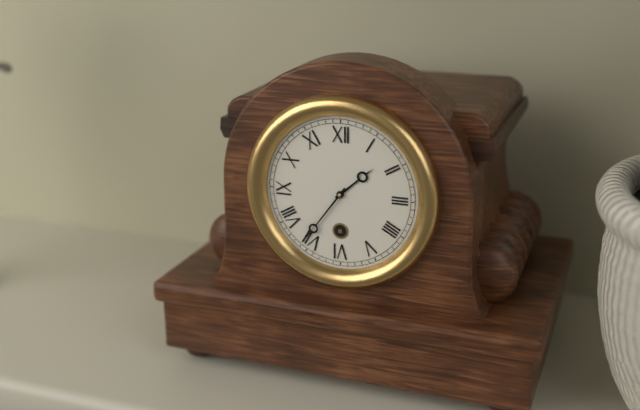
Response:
h=1 m=36
